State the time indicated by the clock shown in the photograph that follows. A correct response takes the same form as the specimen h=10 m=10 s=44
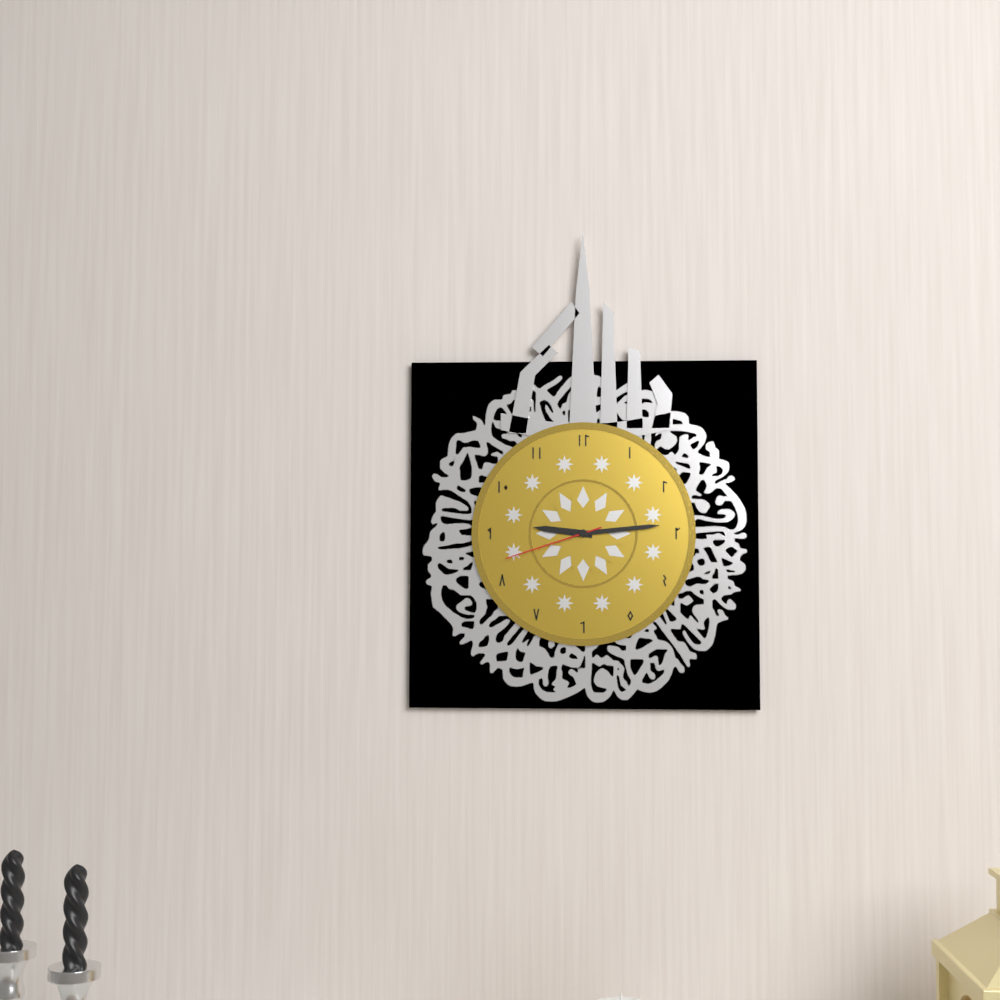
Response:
h=9 m=14 s=42
